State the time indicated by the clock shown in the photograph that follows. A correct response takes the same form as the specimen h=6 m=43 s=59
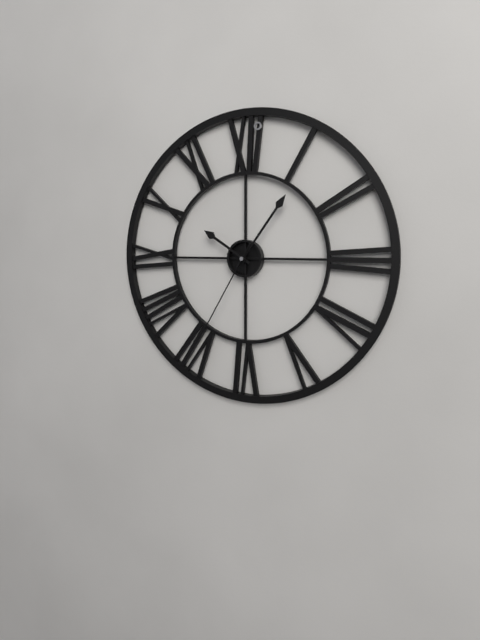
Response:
h=10 m=6 s=35
